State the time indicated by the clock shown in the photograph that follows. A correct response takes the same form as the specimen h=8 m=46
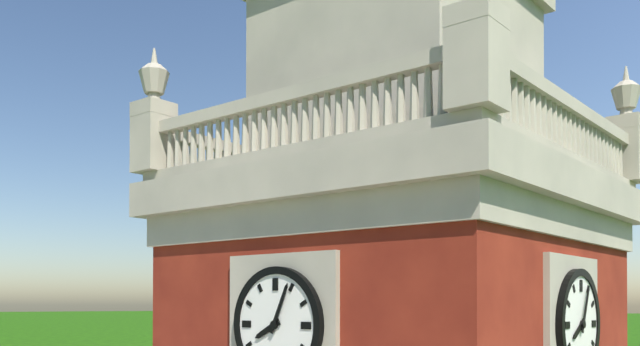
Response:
h=8 m=4
